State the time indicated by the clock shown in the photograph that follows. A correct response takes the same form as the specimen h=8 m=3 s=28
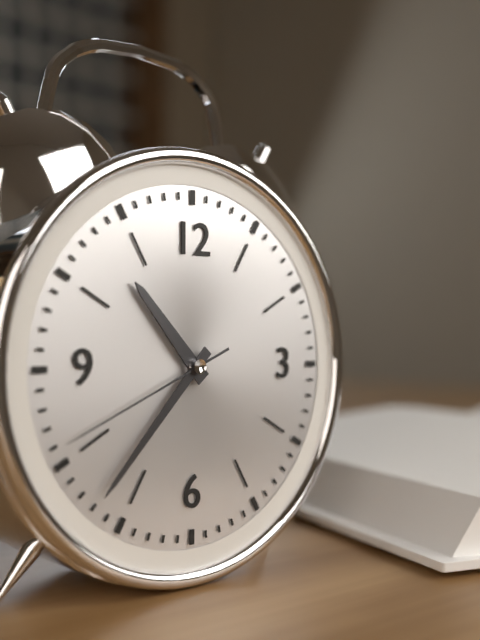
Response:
h=10 m=37 s=41
